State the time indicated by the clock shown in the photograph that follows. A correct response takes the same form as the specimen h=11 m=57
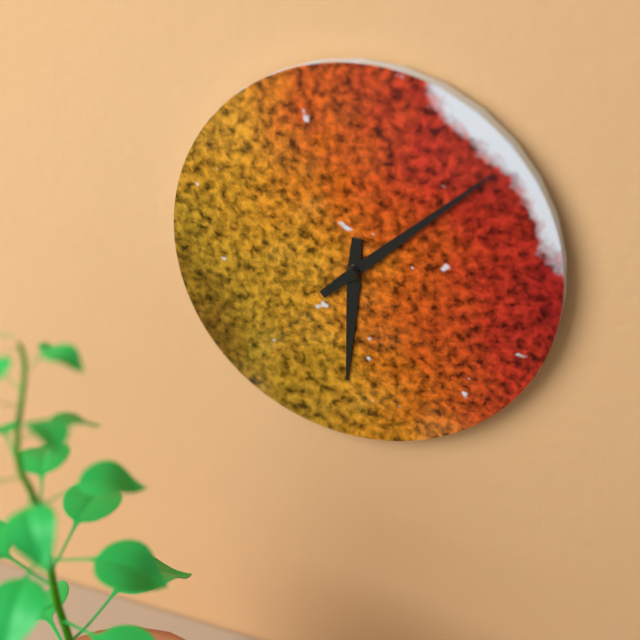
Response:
h=6 m=8
